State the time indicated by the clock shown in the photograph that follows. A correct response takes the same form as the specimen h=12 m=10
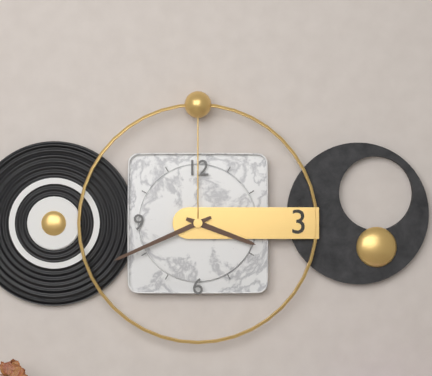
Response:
h=3 m=41
